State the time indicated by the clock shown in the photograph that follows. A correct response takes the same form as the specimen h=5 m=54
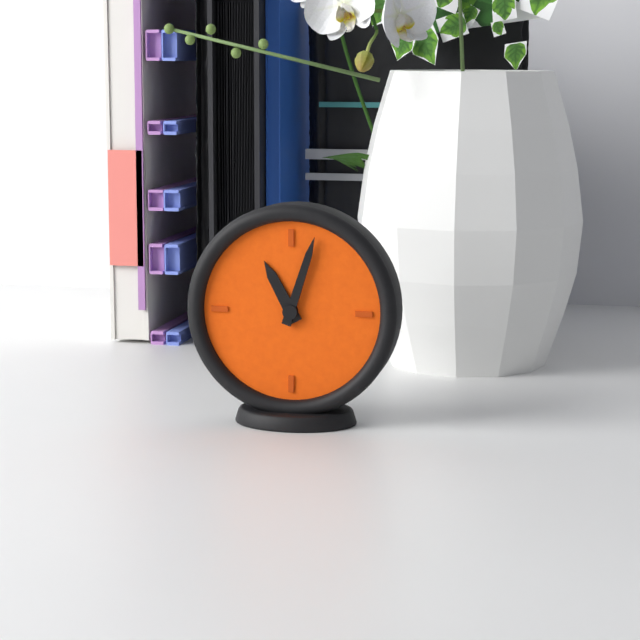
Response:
h=11 m=3
